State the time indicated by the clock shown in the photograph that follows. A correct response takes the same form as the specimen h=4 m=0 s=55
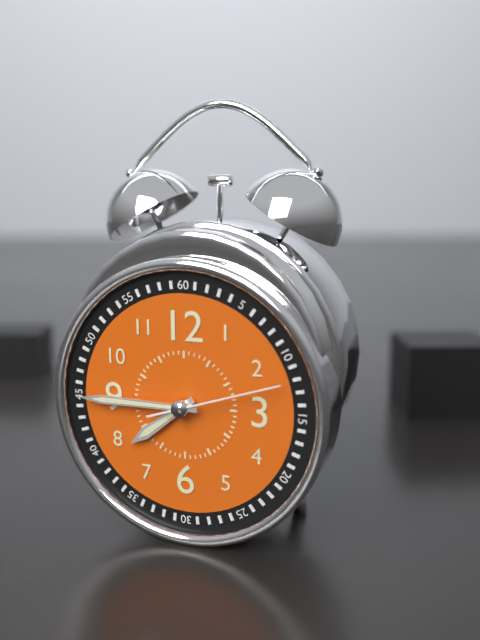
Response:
h=7 m=45 s=12
